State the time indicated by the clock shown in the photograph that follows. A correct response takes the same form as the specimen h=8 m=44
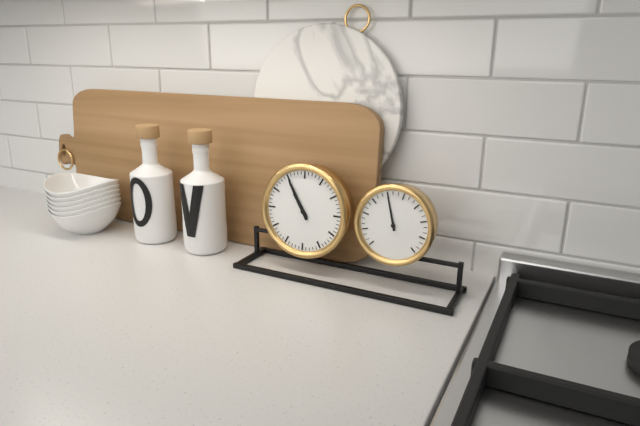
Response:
h=10 m=55
